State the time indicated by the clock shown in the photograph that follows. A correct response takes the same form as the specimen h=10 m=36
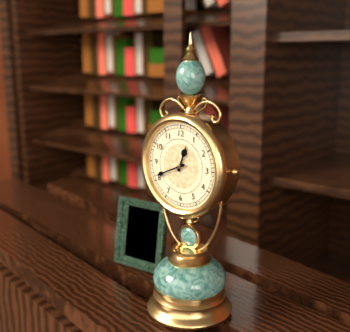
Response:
h=12 m=41
